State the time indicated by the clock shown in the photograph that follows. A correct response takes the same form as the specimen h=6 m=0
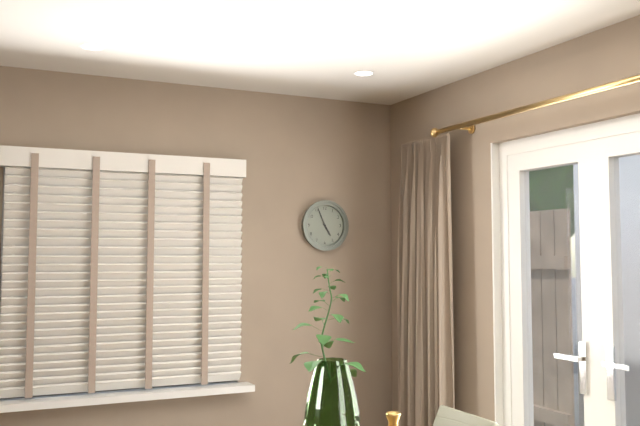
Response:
h=4 m=56
